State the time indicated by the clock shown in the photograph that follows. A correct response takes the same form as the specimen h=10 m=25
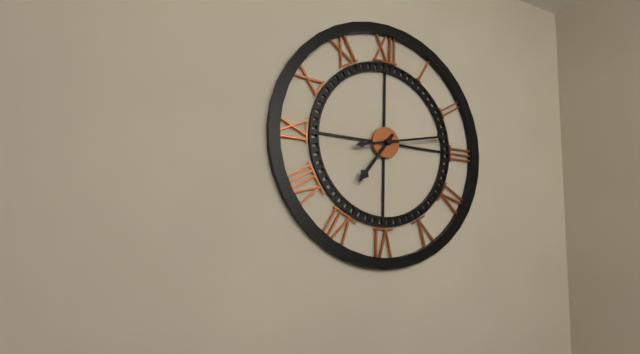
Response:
h=7 m=13
